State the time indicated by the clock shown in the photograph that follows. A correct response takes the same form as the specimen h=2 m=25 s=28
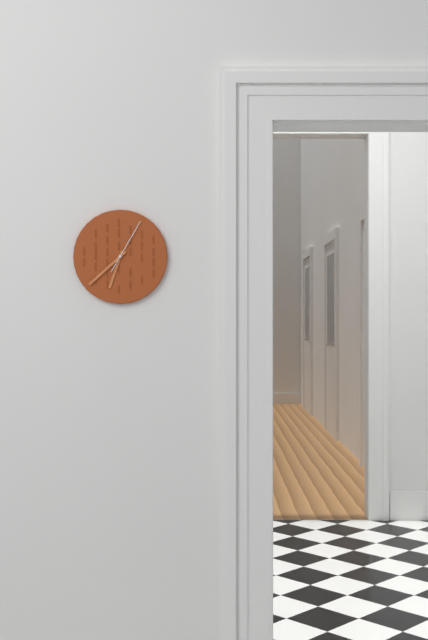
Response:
h=6 m=38 s=5
